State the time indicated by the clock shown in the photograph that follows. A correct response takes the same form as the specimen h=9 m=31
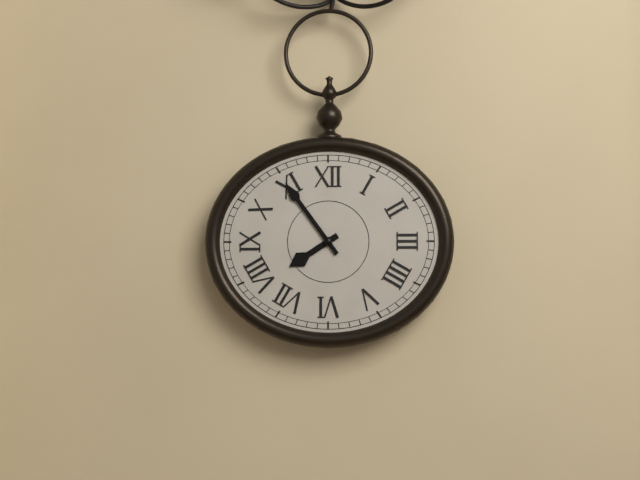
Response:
h=7 m=54
